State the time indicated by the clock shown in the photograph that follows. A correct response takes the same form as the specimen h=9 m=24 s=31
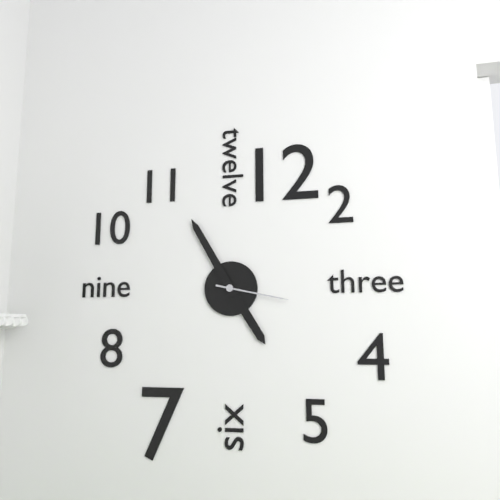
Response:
h=4 m=55 s=17
